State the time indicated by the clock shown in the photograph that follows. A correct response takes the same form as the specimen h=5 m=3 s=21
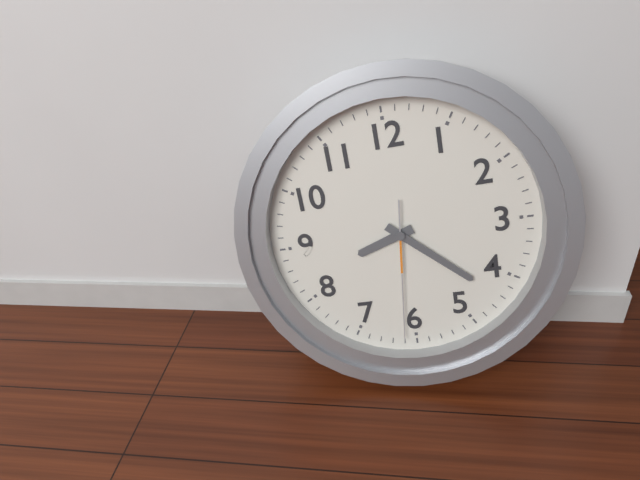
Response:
h=8 m=22 s=31
